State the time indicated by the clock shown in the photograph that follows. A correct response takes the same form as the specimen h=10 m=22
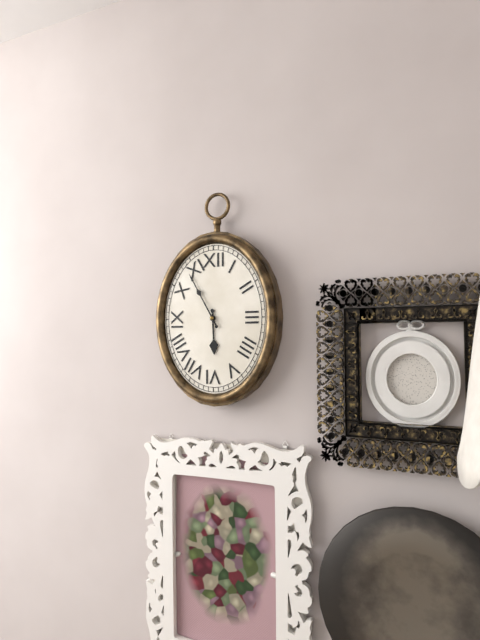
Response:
h=5 m=55
